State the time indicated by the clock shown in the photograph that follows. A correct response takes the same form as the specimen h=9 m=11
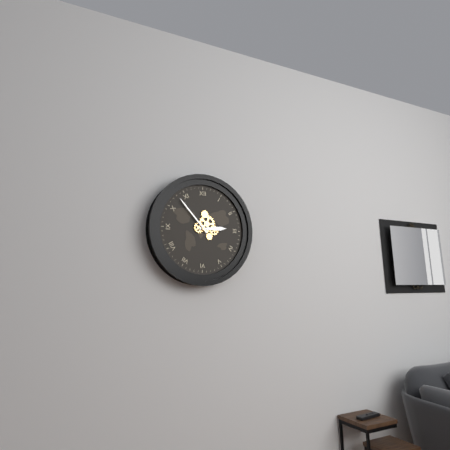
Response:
h=2 m=53
